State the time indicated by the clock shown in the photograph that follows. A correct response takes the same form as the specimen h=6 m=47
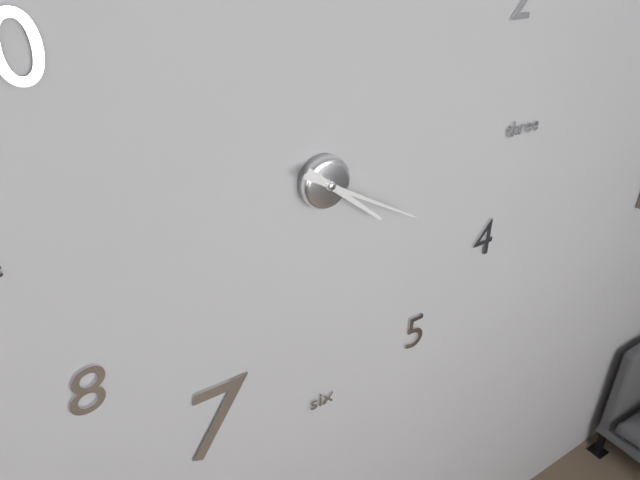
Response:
h=4 m=20
